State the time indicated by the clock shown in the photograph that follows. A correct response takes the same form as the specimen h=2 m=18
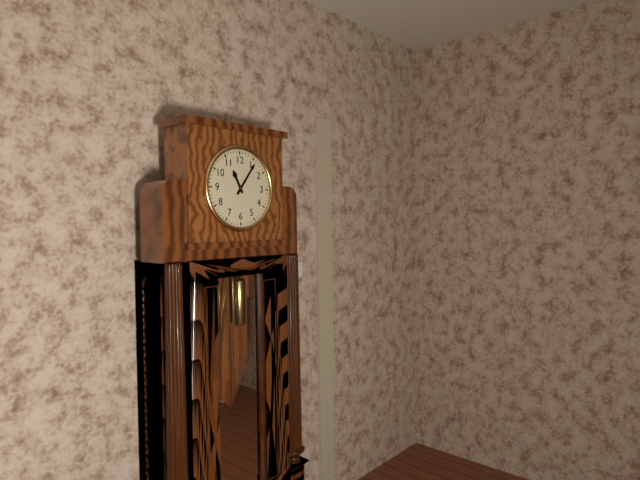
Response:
h=11 m=6
